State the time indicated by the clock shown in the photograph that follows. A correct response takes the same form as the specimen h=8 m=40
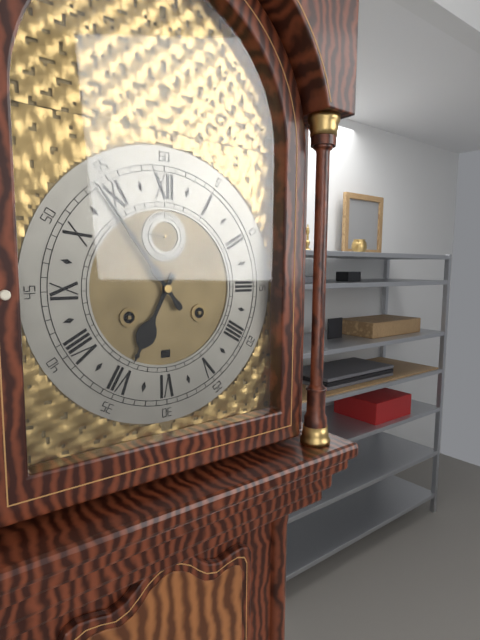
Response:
h=6 m=54
